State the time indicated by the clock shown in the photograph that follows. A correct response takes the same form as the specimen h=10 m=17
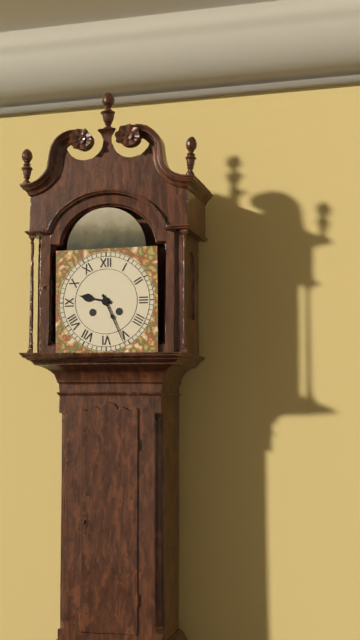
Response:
h=9 m=26
